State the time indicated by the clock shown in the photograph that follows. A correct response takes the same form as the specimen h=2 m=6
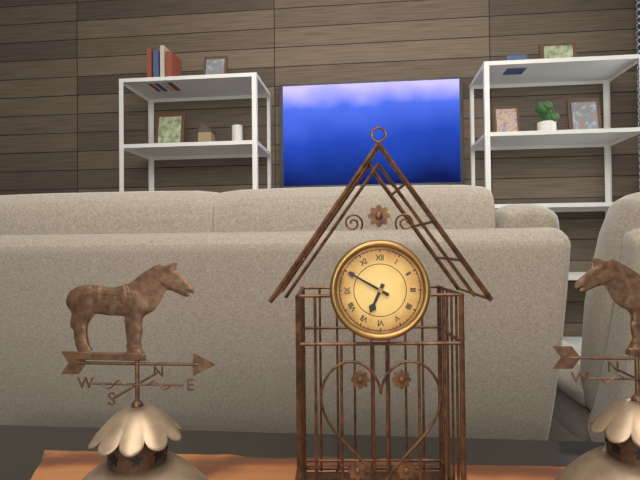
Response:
h=6 m=50
